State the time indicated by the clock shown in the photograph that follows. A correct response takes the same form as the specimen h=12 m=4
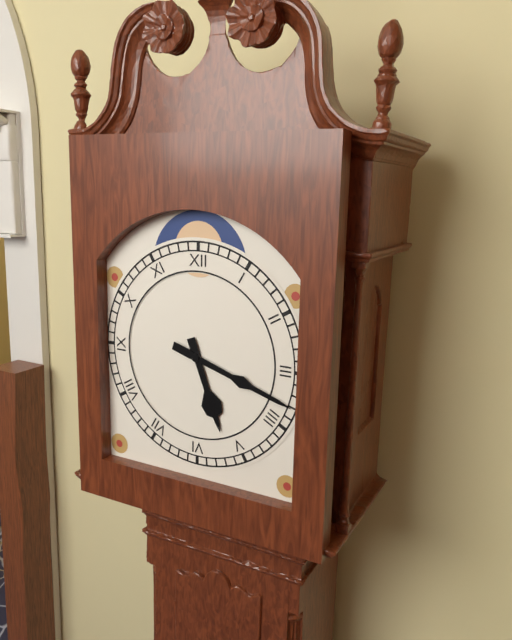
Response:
h=5 m=18
